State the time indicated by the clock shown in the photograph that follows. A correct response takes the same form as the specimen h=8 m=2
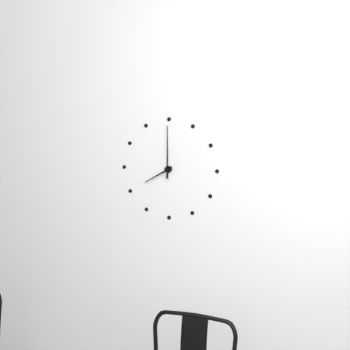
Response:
h=8 m=0
